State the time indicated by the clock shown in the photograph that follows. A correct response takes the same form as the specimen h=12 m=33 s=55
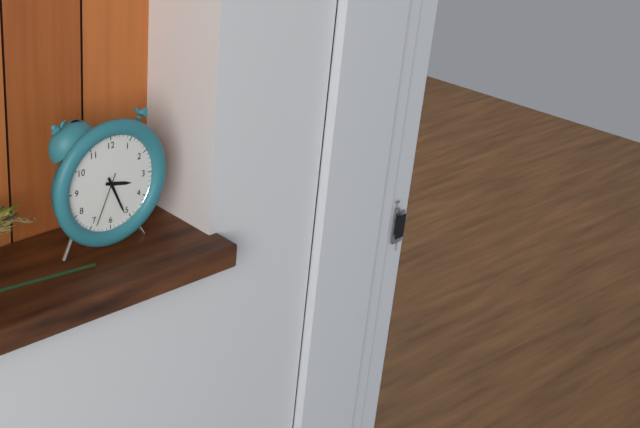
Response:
h=3 m=26 s=34
